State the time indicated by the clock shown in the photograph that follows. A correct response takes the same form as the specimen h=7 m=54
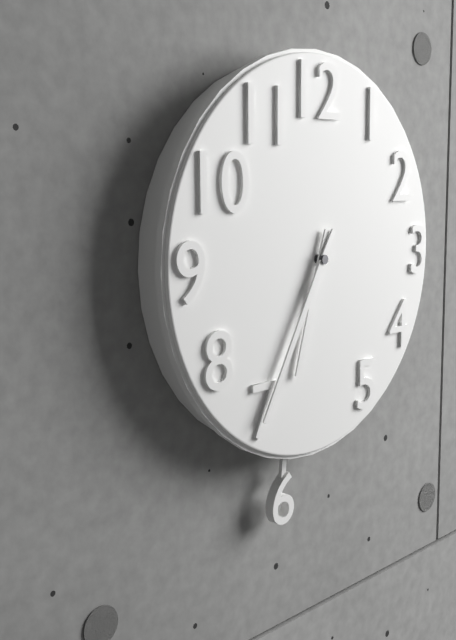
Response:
h=6 m=35
